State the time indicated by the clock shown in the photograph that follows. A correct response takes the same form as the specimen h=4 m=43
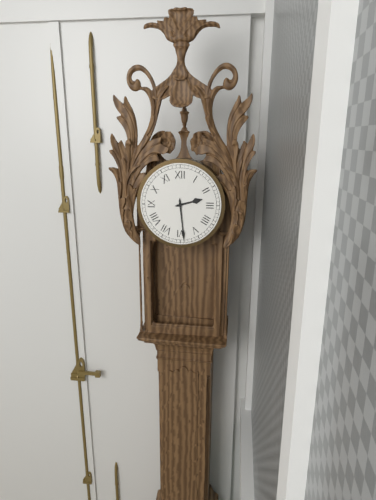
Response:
h=2 m=29
